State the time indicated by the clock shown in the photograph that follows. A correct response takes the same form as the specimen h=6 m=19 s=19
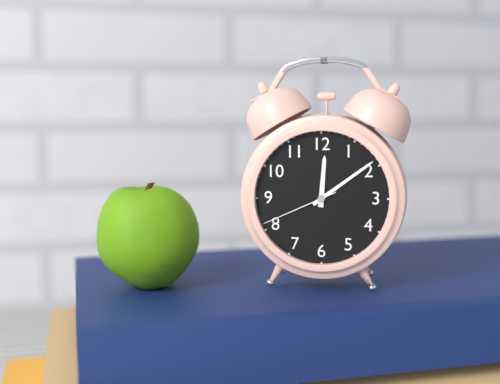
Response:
h=12 m=9 s=41
